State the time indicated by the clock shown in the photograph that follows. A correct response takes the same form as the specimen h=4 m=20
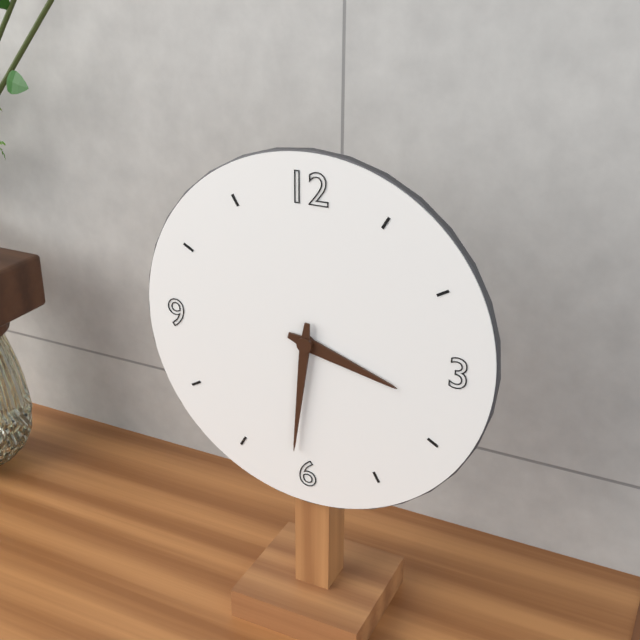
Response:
h=3 m=31
